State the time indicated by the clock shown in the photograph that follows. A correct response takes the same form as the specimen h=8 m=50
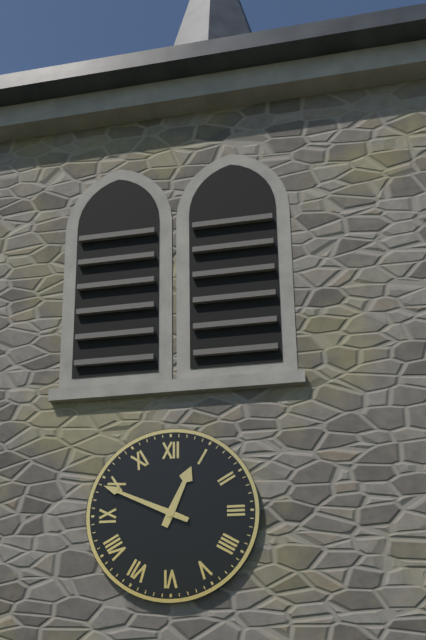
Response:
h=12 m=49
